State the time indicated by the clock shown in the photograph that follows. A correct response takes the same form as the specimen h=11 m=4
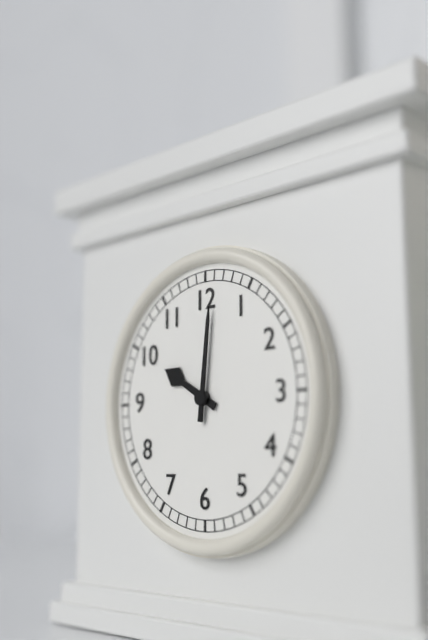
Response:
h=10 m=1
